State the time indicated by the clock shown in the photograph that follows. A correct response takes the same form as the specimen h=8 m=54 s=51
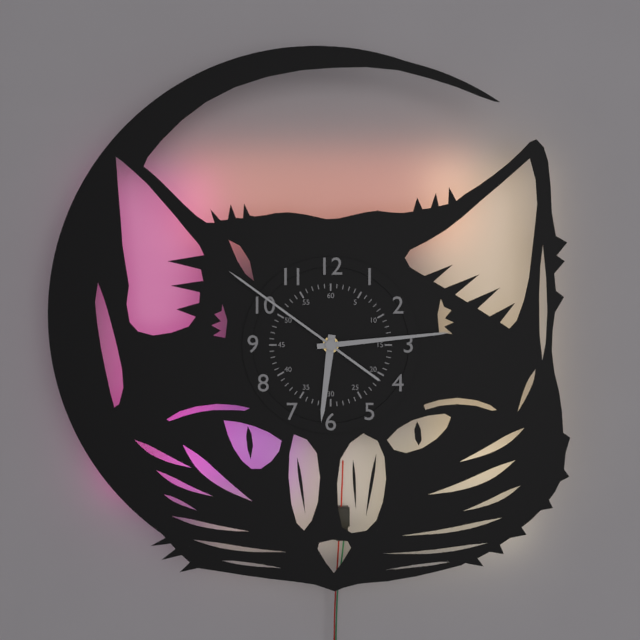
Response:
h=6 m=14 s=51
